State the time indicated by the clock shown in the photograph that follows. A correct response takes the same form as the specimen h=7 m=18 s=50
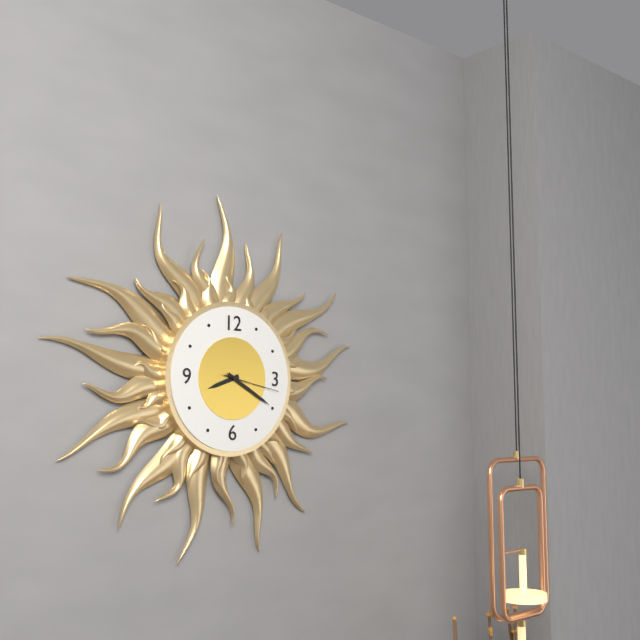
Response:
h=8 m=20 s=17
